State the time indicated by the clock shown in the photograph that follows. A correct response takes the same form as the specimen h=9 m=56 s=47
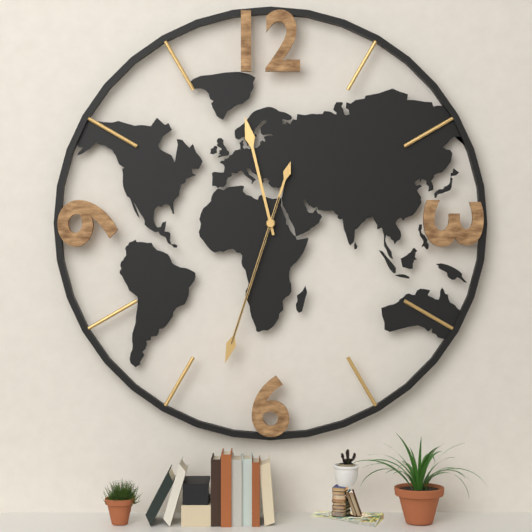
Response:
h=11 m=33 s=33
